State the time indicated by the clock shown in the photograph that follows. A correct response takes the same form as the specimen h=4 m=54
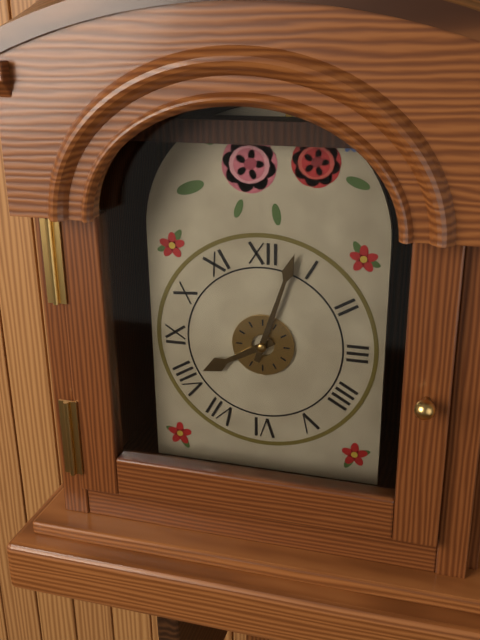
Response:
h=8 m=3
